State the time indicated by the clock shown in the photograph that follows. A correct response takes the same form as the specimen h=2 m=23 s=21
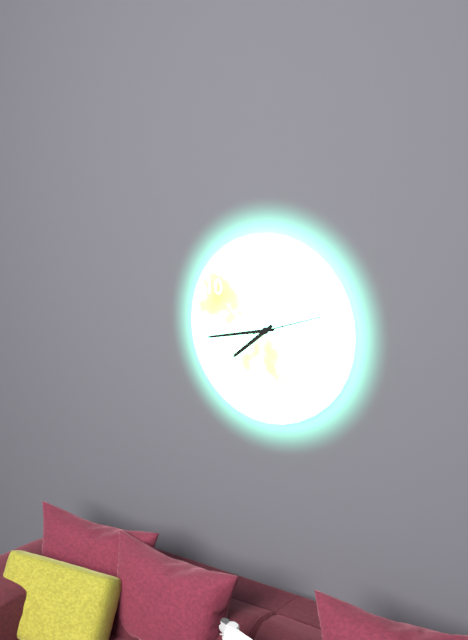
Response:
h=7 m=43 s=12
